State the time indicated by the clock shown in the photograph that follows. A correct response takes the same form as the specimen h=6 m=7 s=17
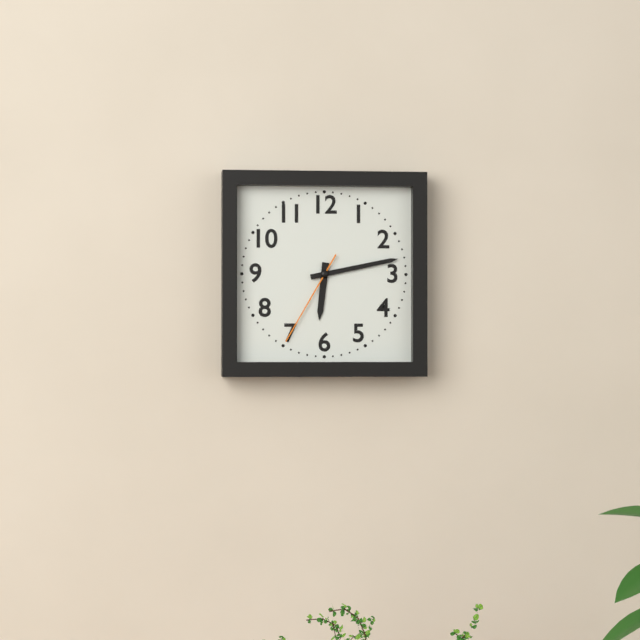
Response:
h=6 m=13 s=35
